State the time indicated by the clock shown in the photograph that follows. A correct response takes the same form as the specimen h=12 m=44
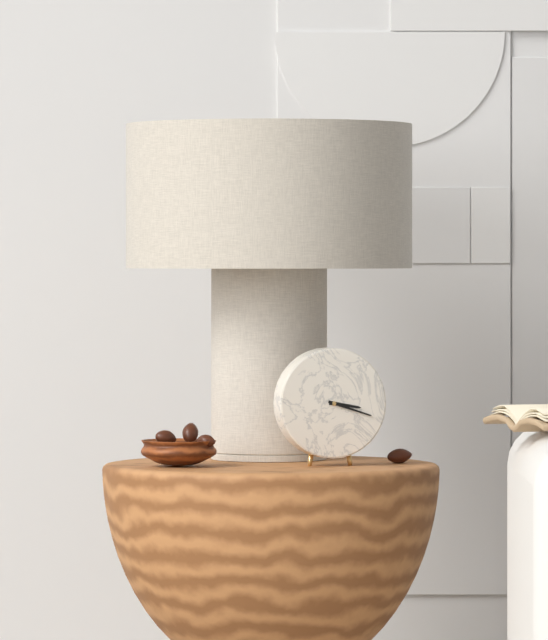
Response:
h=3 m=18
